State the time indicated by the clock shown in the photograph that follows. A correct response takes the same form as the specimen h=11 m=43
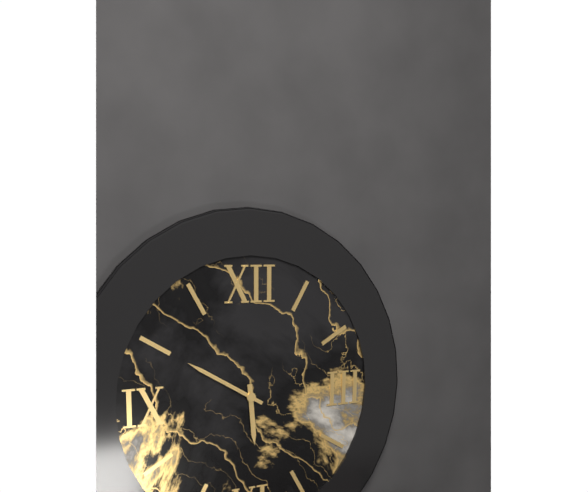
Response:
h=5 m=50
